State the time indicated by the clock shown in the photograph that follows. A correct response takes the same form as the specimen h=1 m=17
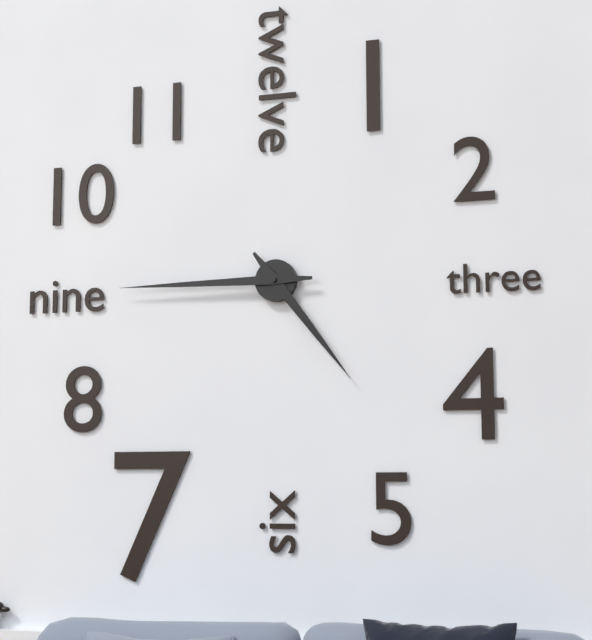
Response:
h=4 m=45
